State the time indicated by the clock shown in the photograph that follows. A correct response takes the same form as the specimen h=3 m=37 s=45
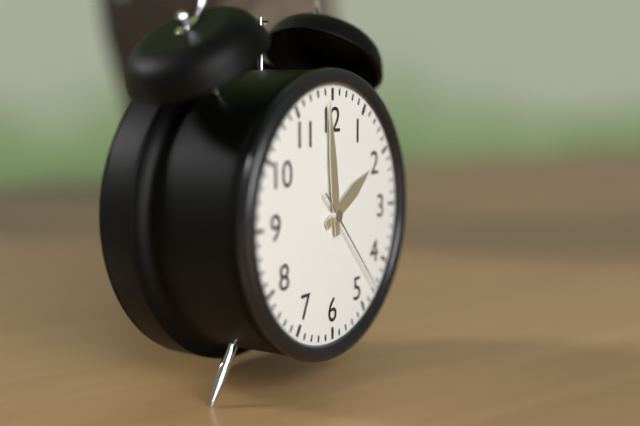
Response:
h=1 m=59 s=23
